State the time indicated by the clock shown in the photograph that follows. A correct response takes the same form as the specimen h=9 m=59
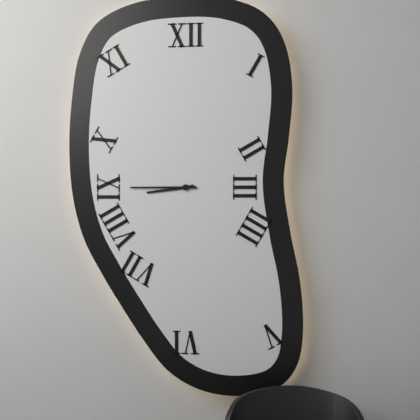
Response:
h=8 m=45
